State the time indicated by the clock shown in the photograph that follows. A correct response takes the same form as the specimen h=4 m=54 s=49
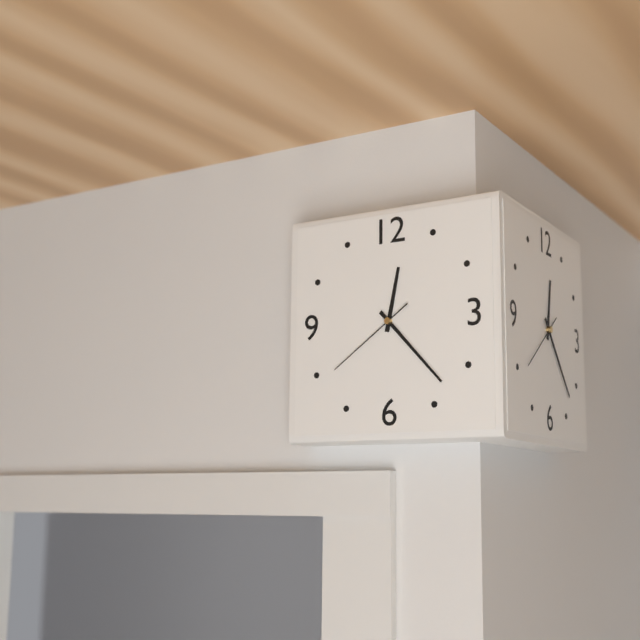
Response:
h=12 m=23 s=39
